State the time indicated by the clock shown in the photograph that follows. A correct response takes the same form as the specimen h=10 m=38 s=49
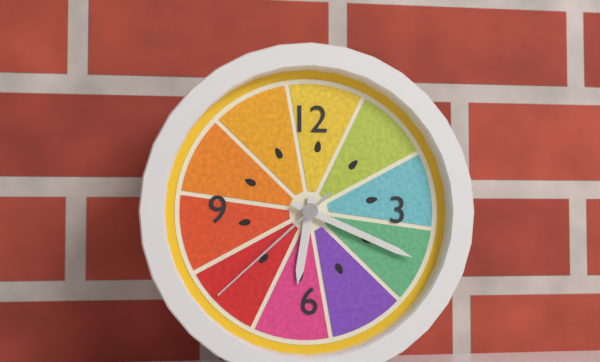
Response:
h=6 m=19 s=38
